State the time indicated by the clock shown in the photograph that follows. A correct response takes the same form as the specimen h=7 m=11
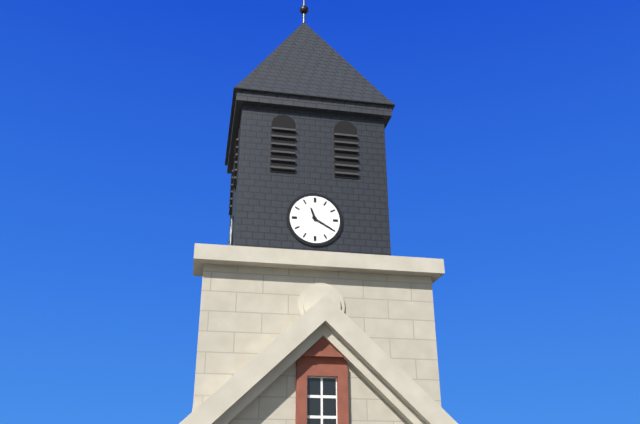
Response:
h=11 m=20
